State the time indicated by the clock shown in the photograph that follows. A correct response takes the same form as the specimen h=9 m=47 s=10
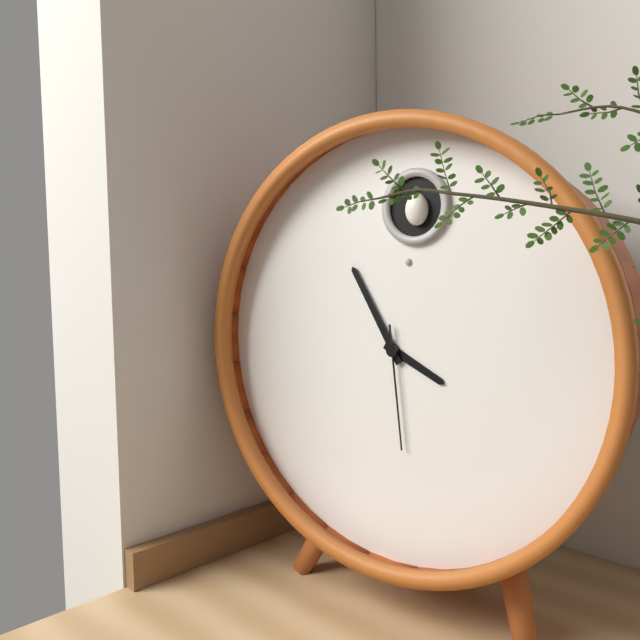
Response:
h=3 m=55 s=29
